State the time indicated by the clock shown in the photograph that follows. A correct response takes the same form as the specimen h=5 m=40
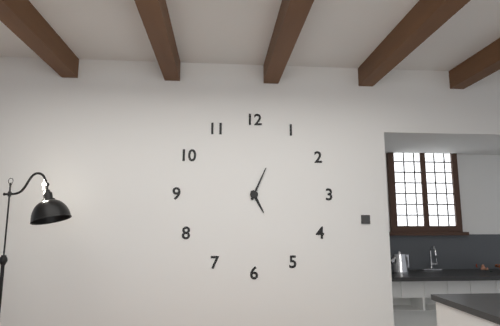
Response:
h=5 m=4
